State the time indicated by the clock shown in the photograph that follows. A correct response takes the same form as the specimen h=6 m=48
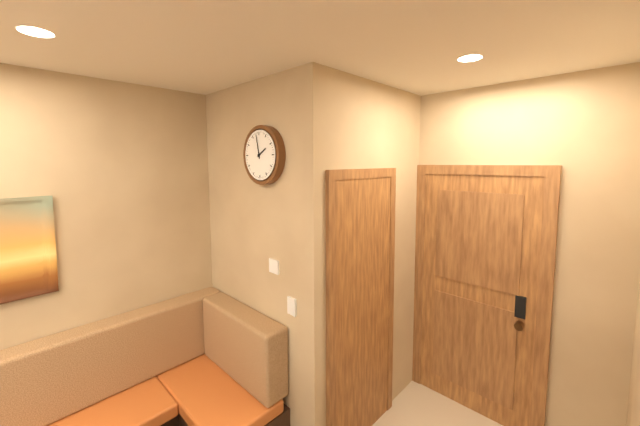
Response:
h=1 m=58
